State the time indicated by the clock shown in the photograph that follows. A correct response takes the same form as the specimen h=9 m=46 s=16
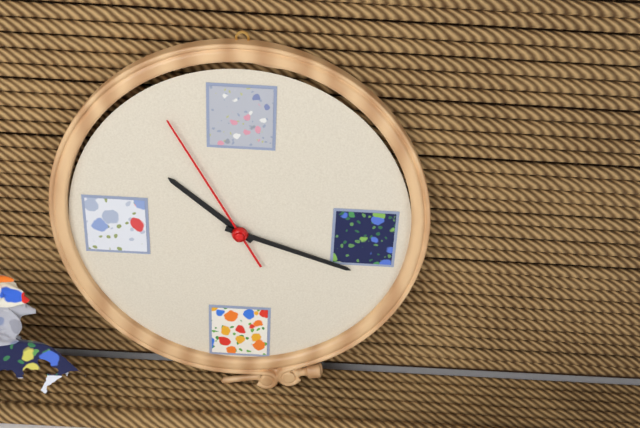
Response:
h=10 m=18 s=55
